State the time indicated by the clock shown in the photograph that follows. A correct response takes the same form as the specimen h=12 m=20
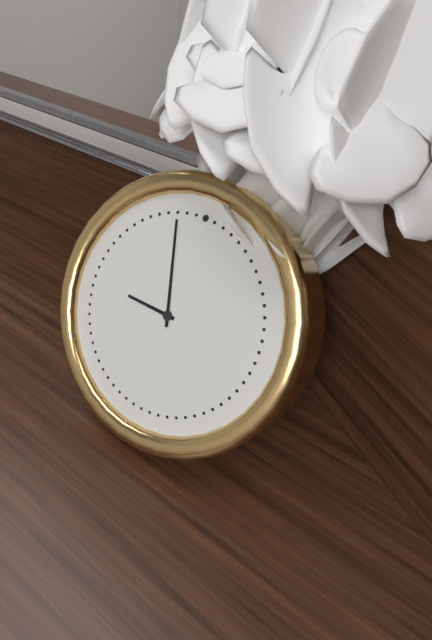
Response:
h=8 m=57
